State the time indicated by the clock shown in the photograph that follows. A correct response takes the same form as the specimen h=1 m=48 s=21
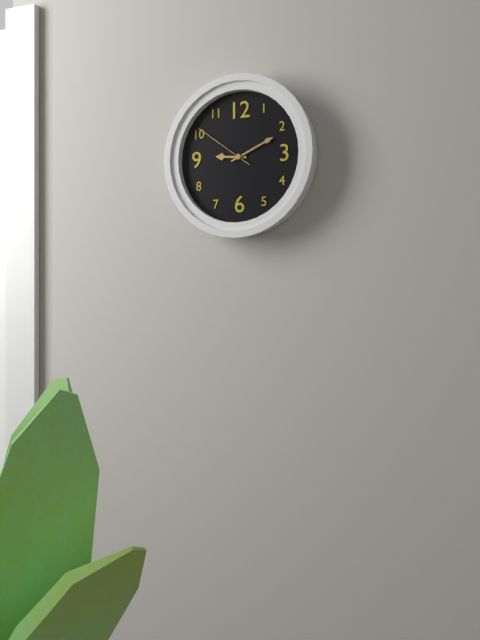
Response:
h=9 m=11 s=51
